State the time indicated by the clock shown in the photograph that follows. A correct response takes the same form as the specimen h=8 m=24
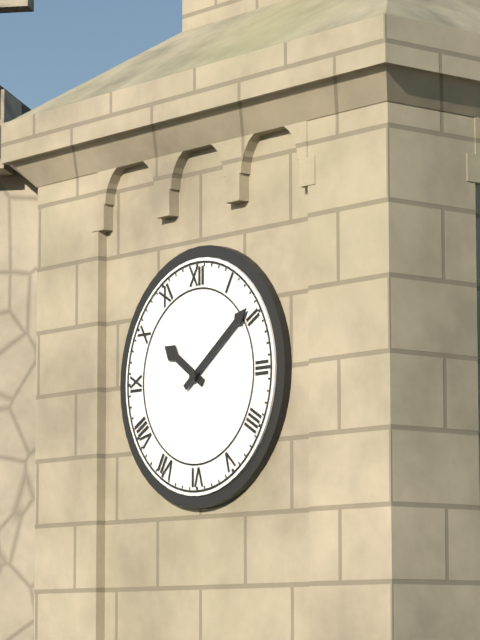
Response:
h=10 m=9
